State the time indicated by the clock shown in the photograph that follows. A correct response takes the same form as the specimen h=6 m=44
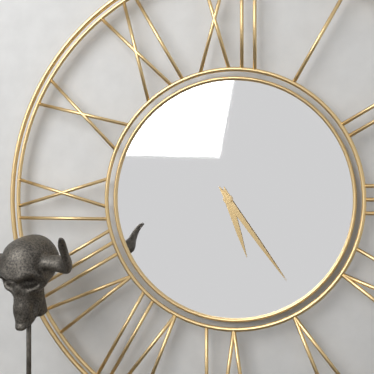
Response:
h=5 m=24
